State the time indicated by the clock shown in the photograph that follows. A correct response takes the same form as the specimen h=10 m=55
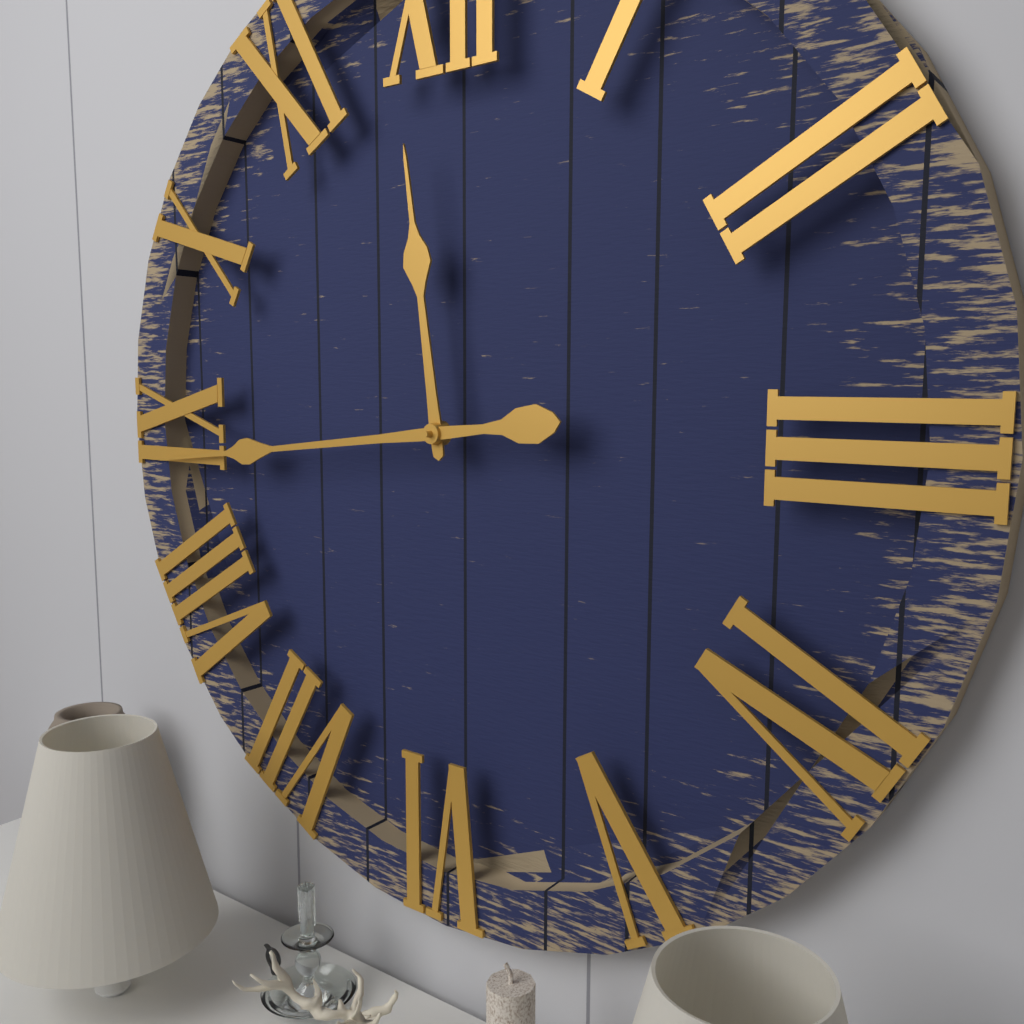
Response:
h=11 m=44
